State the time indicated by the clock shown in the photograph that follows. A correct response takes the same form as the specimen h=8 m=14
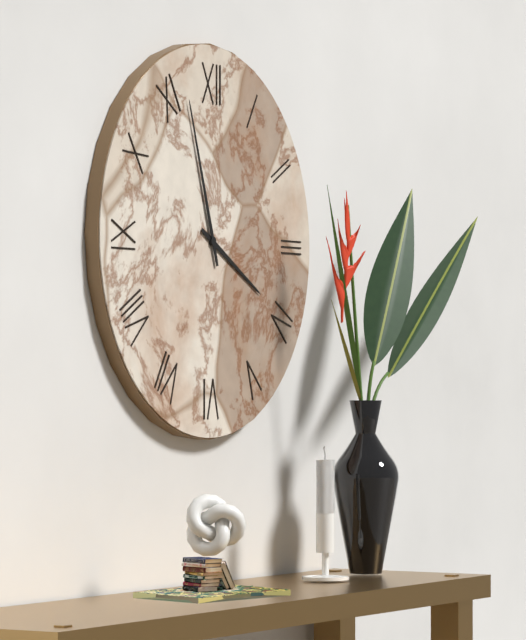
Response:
h=3 m=57
